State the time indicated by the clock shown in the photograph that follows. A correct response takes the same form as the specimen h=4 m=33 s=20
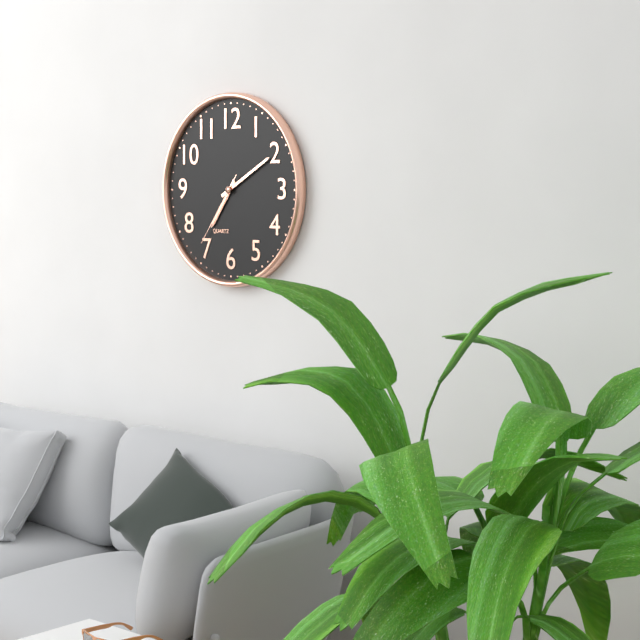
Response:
h=7 m=10 s=36
